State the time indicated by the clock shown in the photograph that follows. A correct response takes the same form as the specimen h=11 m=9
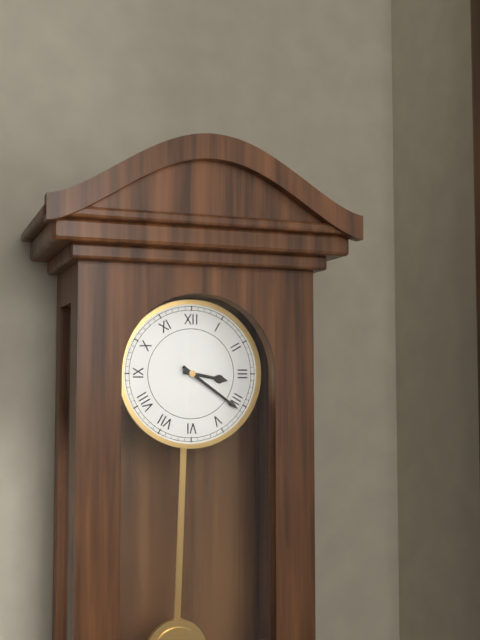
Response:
h=3 m=21
